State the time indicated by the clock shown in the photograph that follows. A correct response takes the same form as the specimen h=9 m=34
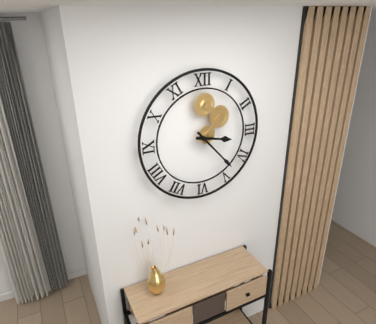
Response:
h=3 m=23
